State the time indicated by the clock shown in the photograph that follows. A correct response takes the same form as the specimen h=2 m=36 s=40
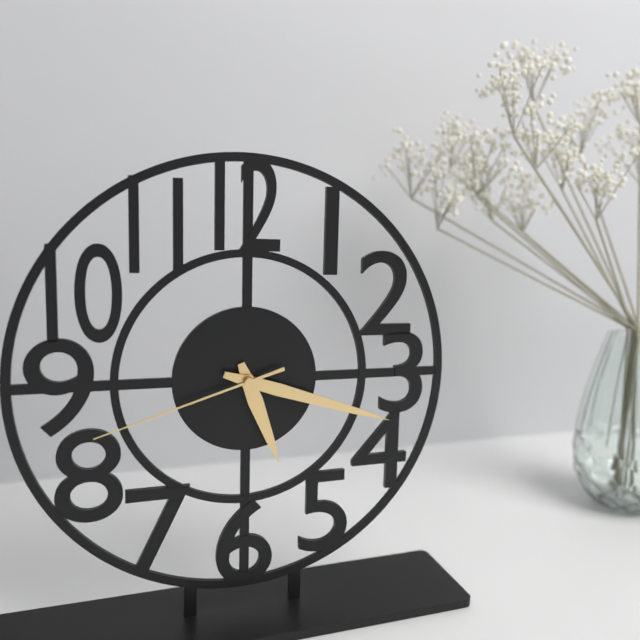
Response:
h=5 m=18 s=42
